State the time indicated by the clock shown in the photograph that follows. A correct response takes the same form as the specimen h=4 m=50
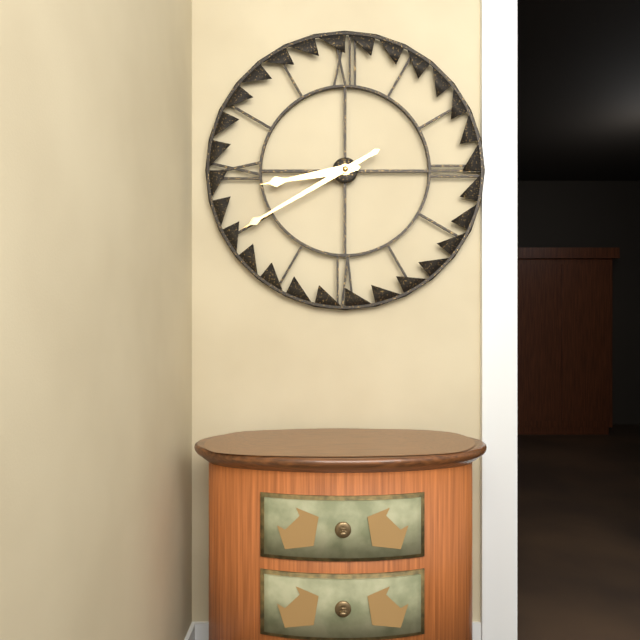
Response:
h=8 m=40
